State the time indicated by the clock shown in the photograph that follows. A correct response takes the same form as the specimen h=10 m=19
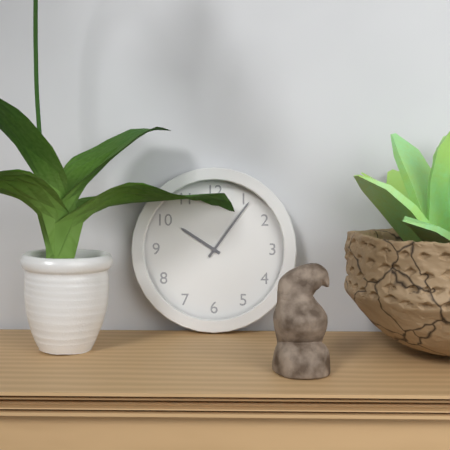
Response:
h=10 m=6
